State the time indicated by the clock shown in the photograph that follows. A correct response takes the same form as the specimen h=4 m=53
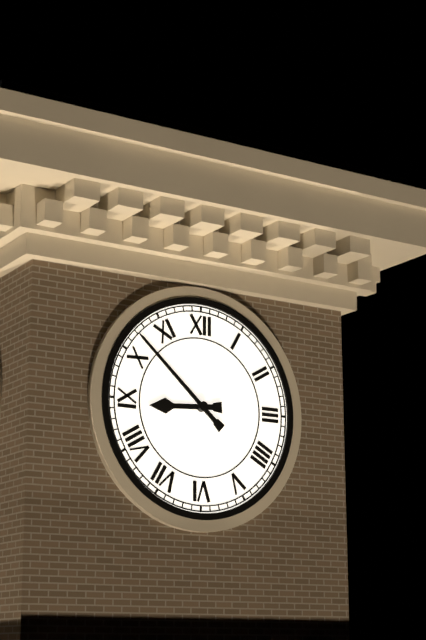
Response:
h=8 m=52
